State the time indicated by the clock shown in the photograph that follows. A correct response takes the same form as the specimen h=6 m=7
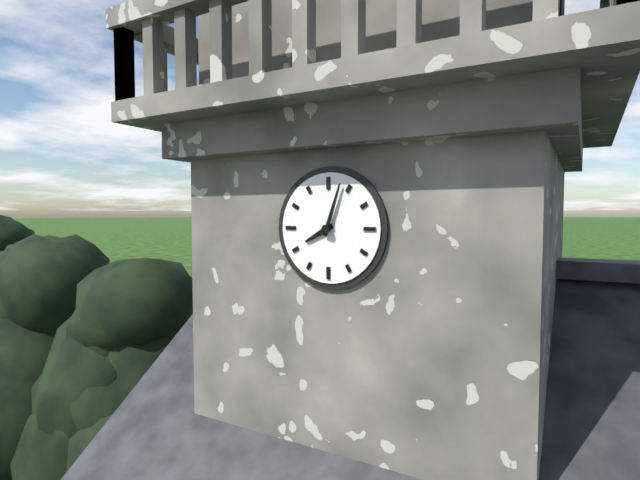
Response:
h=8 m=3
